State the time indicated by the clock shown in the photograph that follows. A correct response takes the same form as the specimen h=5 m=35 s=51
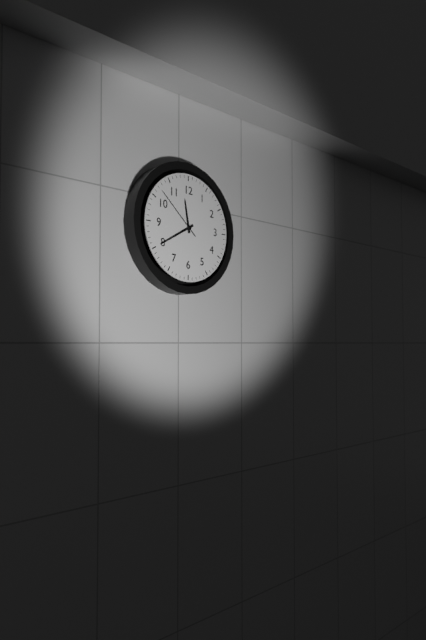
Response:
h=11 m=40 s=52
